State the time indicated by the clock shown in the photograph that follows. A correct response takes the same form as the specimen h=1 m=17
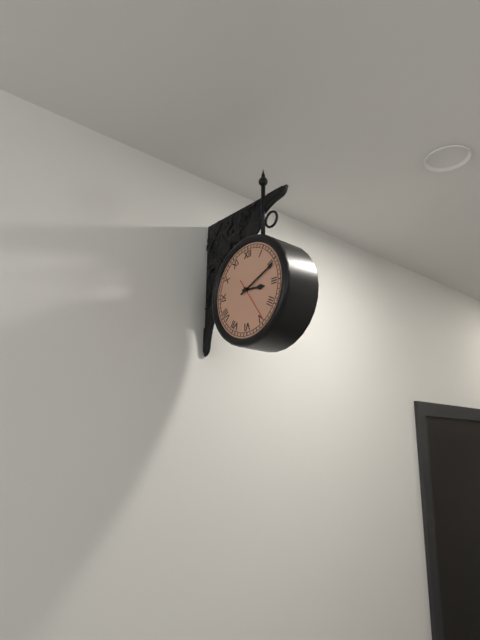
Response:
h=3 m=11
